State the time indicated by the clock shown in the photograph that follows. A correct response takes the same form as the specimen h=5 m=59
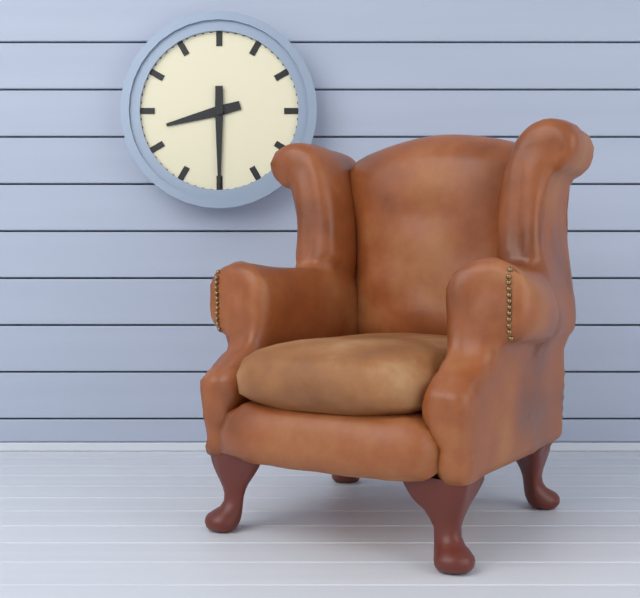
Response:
h=8 m=30
